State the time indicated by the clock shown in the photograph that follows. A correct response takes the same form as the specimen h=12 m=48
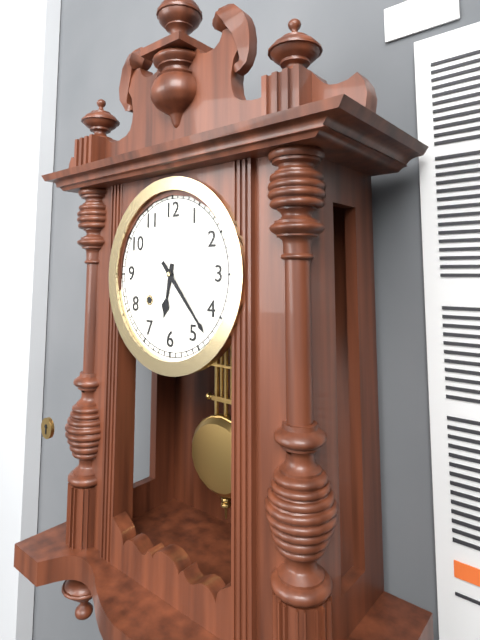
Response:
h=6 m=23
